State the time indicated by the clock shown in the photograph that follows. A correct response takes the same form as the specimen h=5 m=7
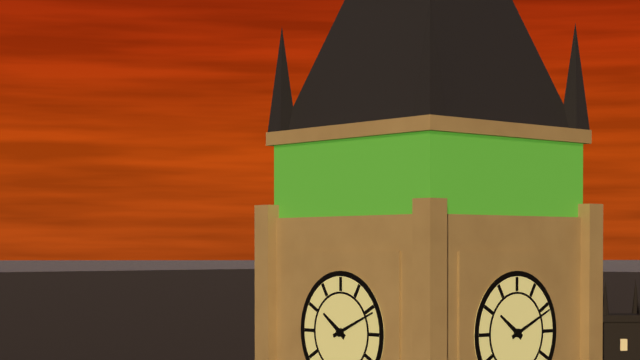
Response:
h=10 m=11
